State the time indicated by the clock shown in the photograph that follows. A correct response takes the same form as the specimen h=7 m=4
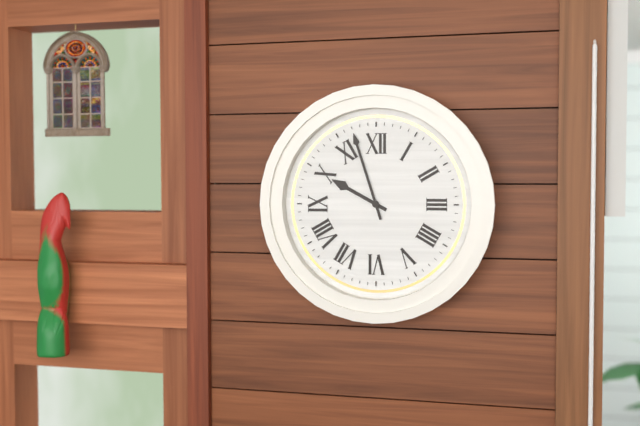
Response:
h=9 m=57
